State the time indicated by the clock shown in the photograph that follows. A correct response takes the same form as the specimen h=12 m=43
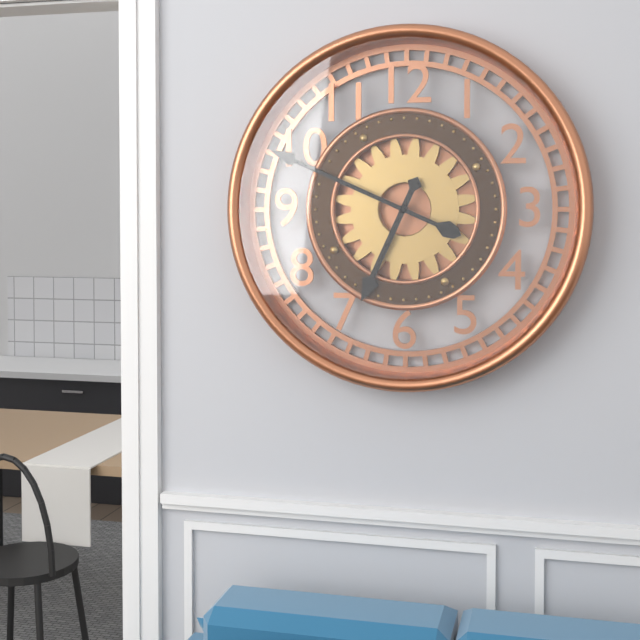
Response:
h=6 m=49
